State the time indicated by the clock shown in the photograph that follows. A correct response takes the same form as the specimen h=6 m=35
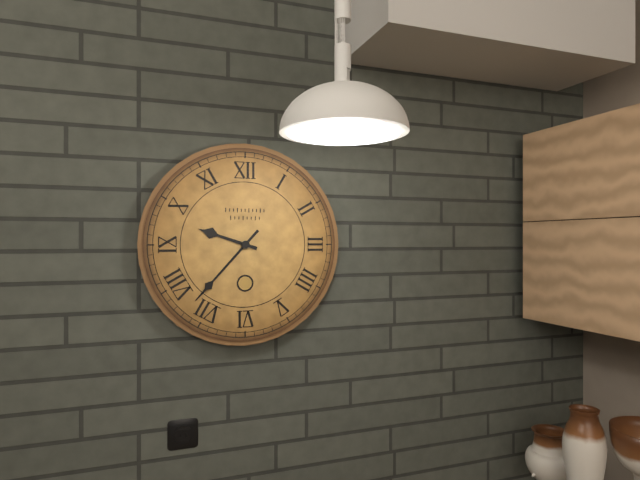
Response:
h=9 m=37
